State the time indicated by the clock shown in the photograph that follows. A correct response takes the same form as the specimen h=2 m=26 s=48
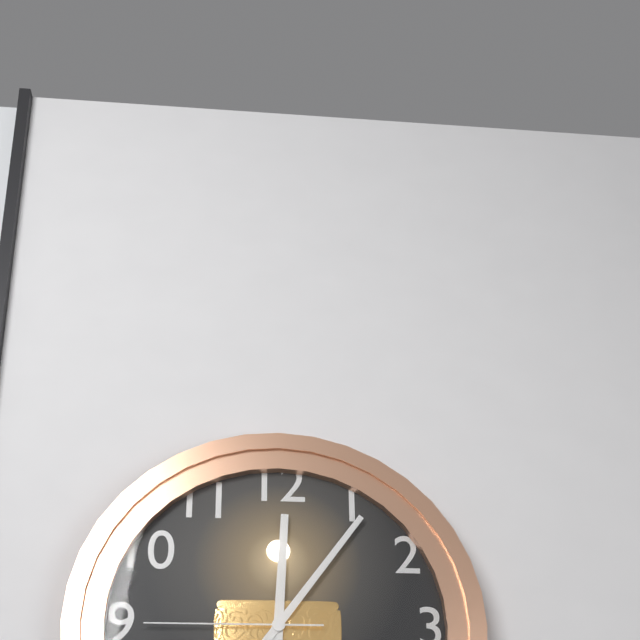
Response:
h=12 m=6 s=45
